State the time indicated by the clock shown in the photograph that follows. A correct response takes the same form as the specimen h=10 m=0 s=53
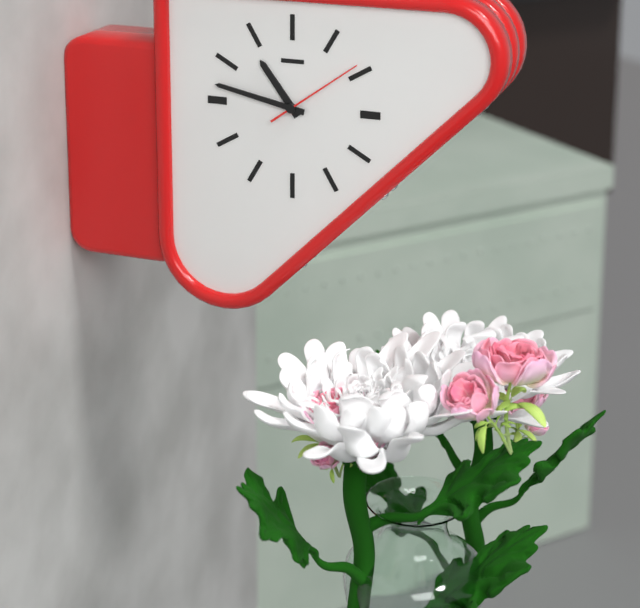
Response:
h=10 m=47 s=9
